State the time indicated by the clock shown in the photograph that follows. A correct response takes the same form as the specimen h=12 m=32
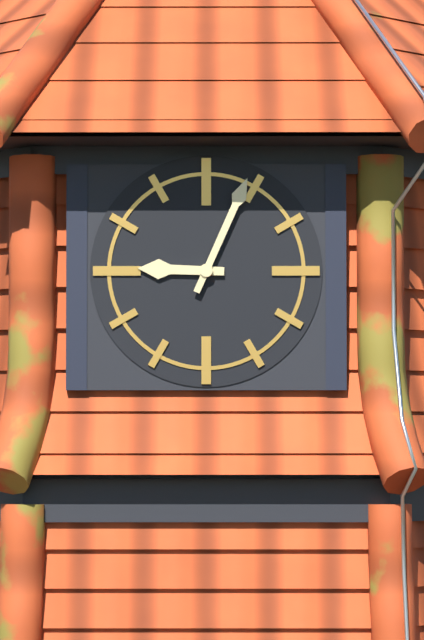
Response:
h=9 m=4
